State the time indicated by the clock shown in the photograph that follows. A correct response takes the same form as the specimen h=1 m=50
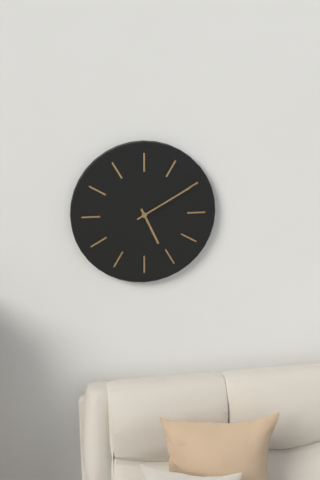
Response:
h=5 m=10
